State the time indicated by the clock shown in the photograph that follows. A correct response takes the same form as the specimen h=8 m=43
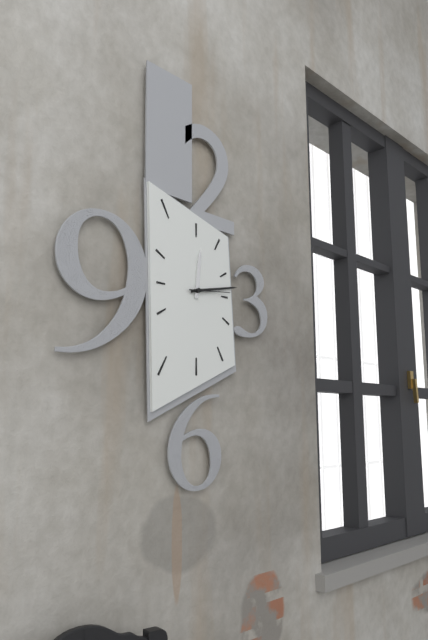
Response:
h=12 m=13
